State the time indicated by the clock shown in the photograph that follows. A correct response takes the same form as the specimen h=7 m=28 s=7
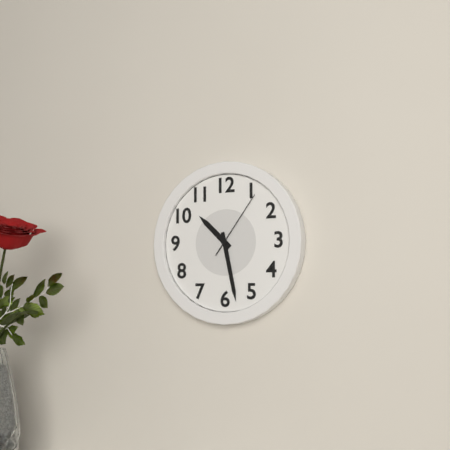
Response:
h=10 m=28 s=6
